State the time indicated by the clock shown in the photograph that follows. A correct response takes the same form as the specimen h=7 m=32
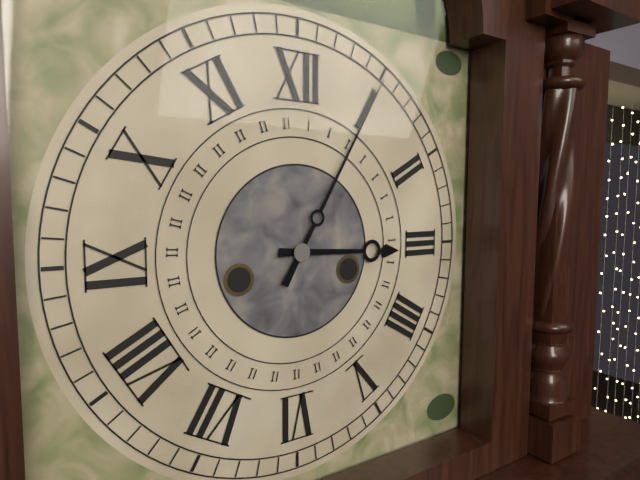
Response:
h=3 m=5
